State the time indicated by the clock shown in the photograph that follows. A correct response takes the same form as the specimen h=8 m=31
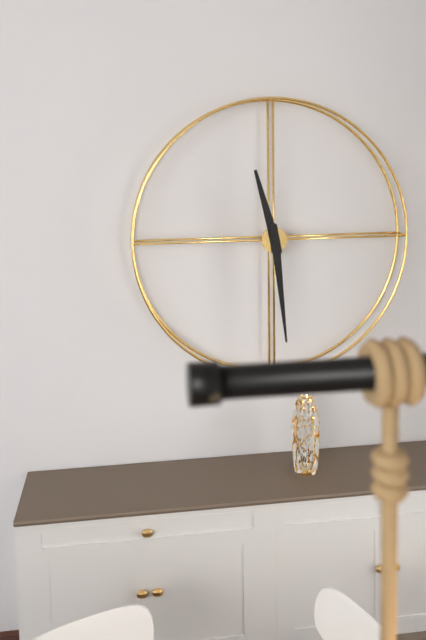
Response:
h=11 m=29
